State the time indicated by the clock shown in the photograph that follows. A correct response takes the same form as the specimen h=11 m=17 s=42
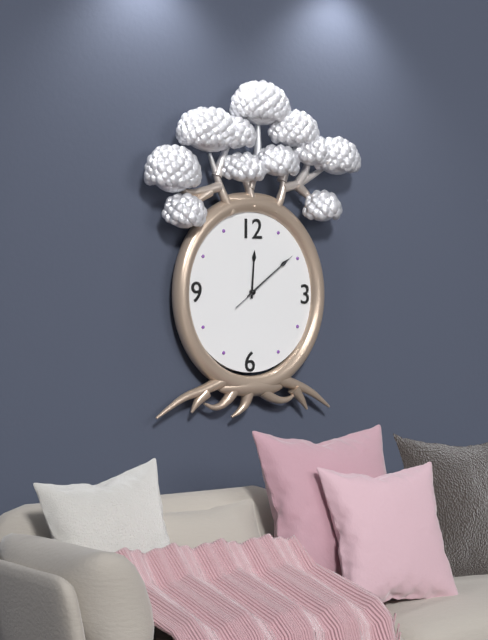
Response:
h=12 m=9 s=9
